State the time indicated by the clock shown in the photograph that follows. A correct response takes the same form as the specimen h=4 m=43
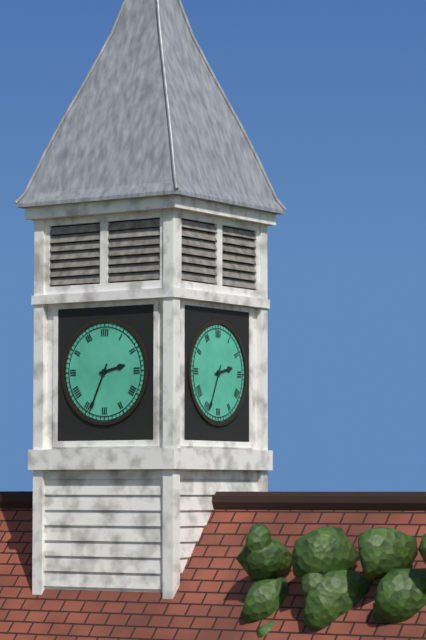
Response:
h=2 m=34
